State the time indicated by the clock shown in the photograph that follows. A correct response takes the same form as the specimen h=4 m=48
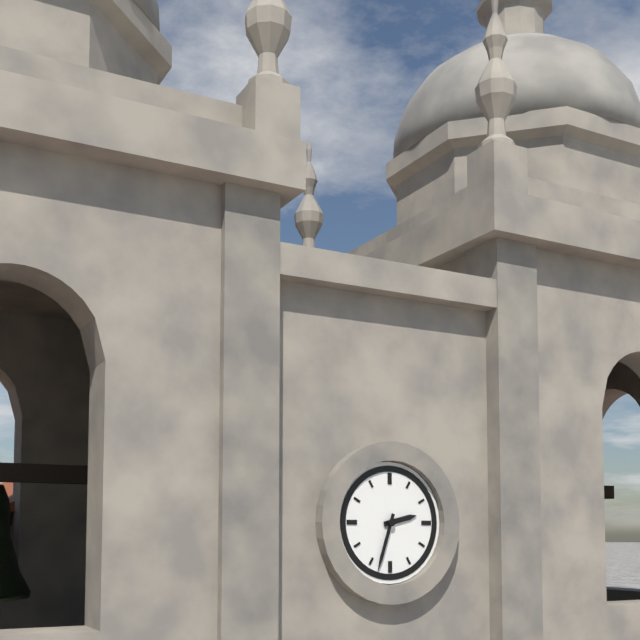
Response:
h=2 m=33
